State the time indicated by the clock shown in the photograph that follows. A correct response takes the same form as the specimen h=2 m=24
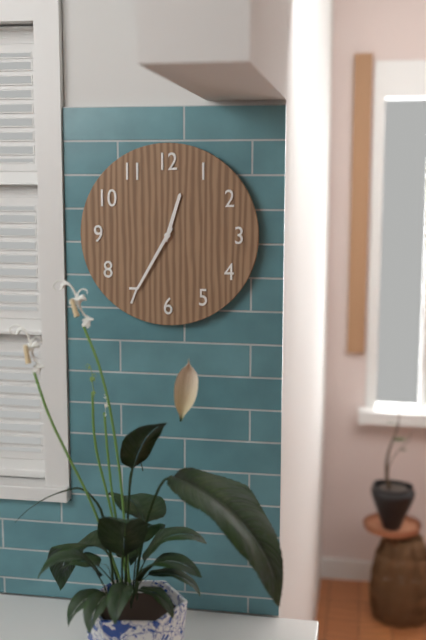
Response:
h=12 m=35
